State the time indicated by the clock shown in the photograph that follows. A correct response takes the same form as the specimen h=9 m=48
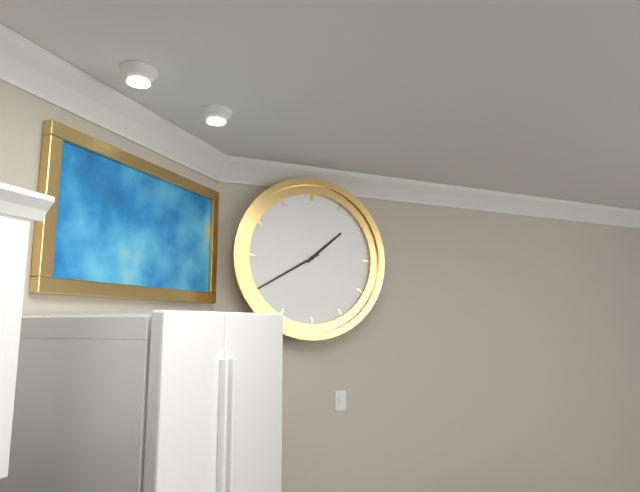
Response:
h=1 m=40
